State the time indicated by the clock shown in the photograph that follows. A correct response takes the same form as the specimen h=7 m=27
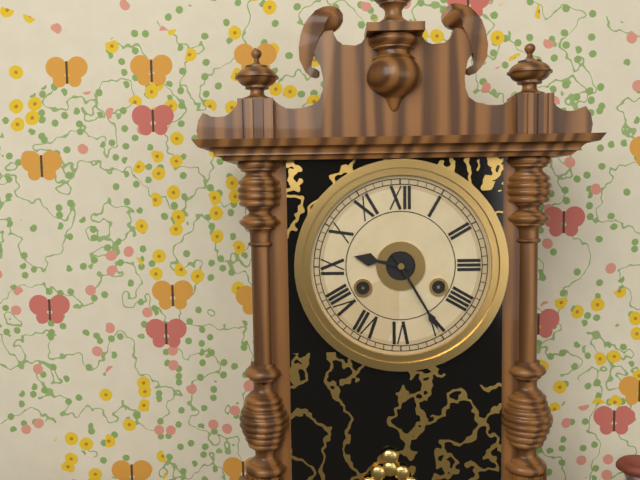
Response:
h=9 m=25
